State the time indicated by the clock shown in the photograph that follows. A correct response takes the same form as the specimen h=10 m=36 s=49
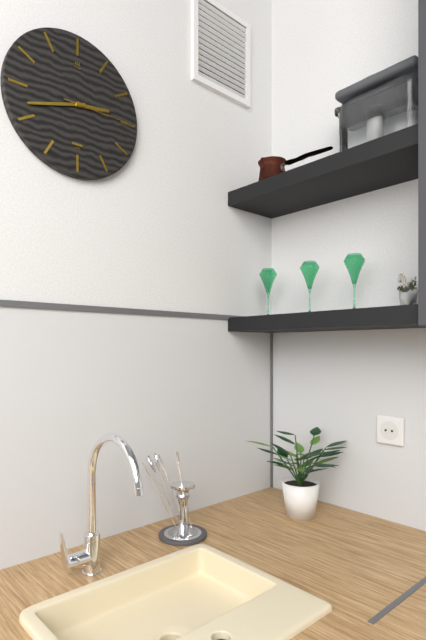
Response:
h=2 m=42 s=15
